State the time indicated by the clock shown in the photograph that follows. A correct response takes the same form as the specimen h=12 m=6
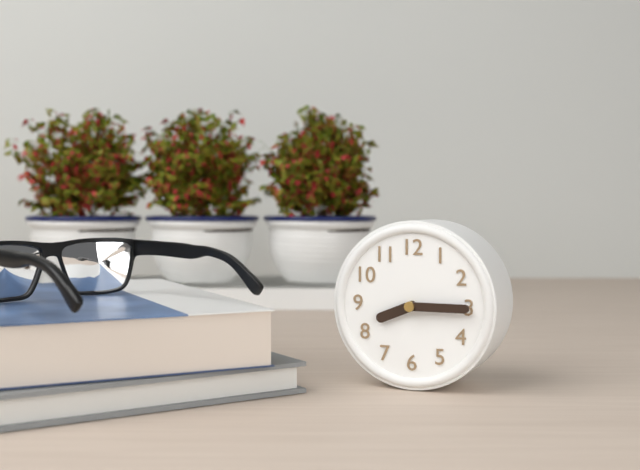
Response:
h=8 m=15
